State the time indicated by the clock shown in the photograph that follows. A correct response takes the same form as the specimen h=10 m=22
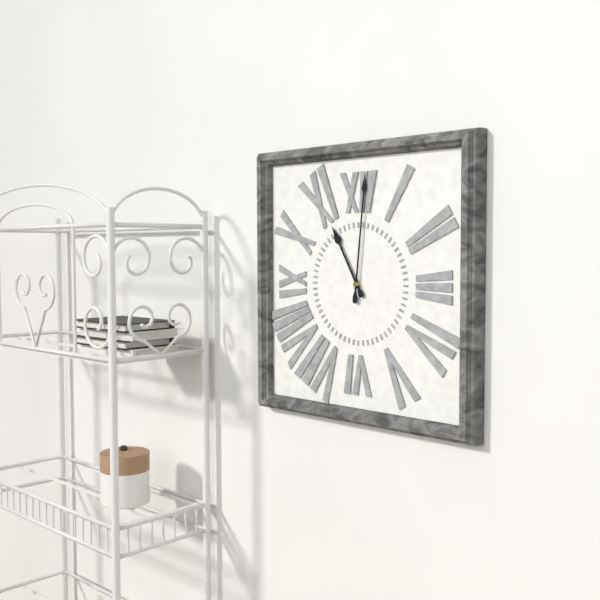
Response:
h=11 m=1
